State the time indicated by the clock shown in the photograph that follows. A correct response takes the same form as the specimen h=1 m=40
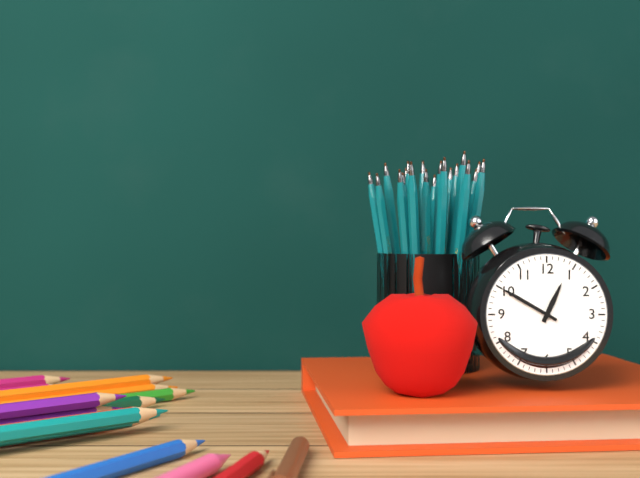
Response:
h=12 m=50
